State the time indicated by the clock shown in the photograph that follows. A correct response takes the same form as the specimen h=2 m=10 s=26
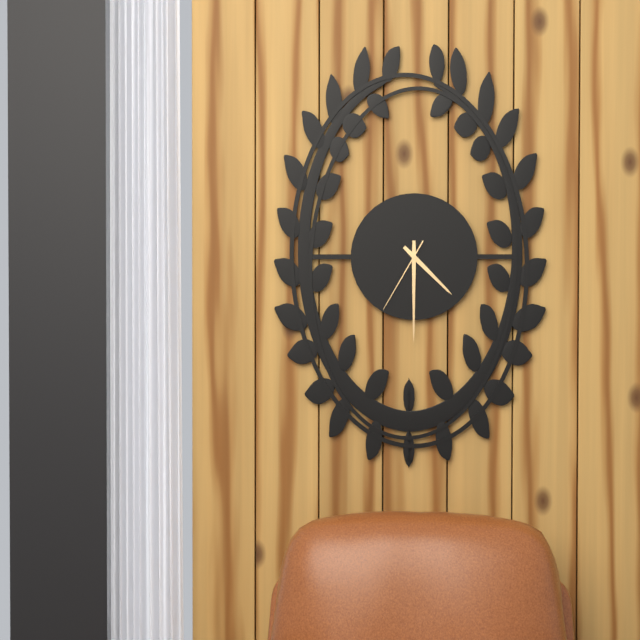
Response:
h=4 m=30 s=35
